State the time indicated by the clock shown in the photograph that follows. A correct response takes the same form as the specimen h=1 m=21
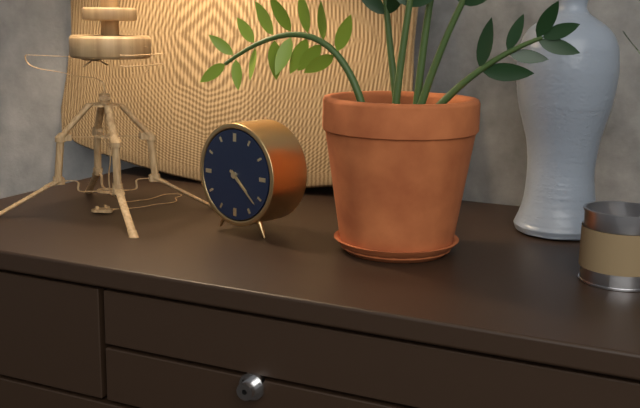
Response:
h=4 m=22
